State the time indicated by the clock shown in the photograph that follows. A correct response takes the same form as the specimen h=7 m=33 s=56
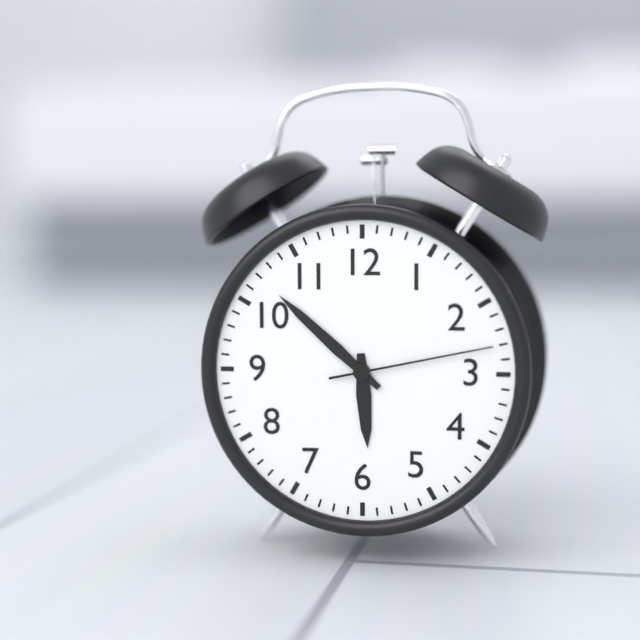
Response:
h=5 m=52 s=13
